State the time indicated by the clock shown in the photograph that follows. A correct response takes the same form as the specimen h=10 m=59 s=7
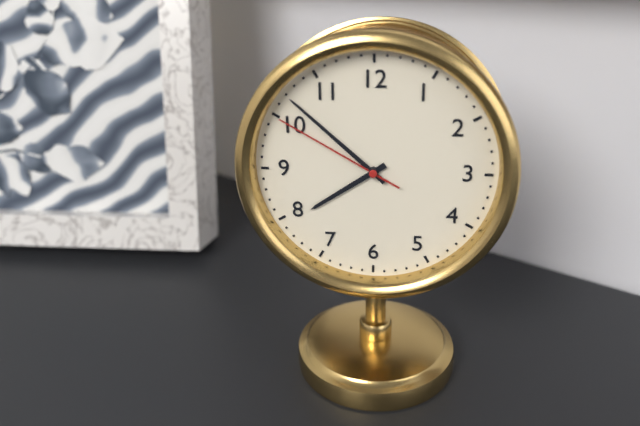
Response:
h=7 m=52 s=50
